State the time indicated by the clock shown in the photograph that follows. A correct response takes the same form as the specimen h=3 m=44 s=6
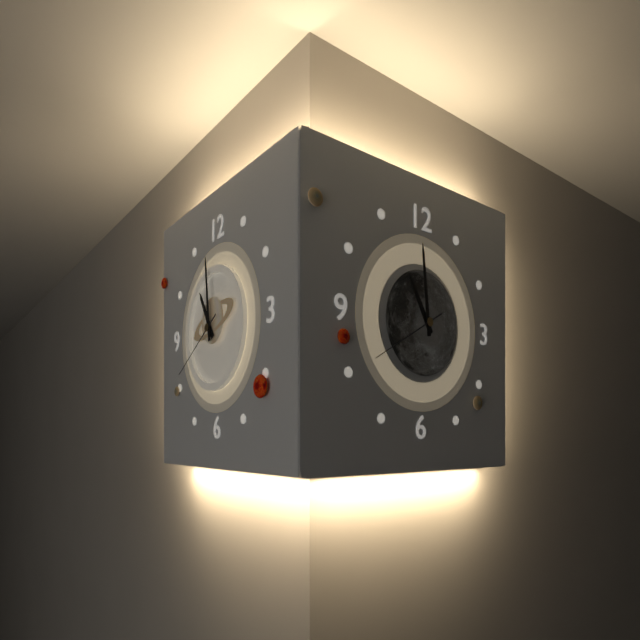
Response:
h=10 m=59 s=40
